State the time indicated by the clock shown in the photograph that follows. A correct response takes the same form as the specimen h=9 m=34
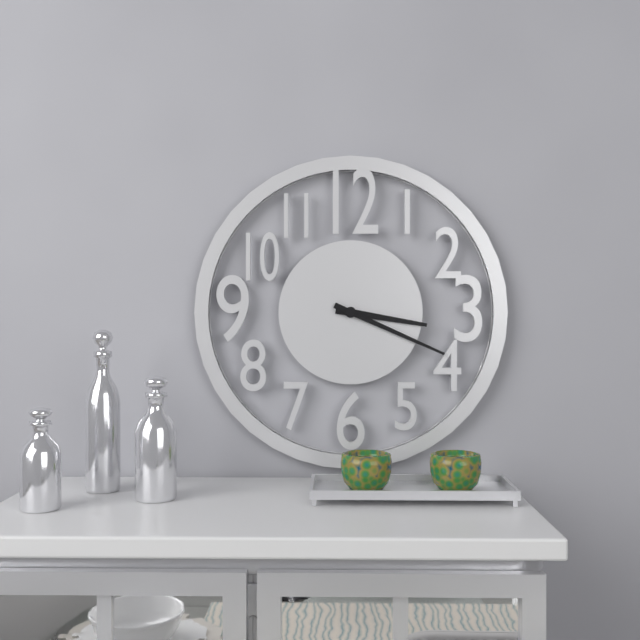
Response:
h=3 m=19
